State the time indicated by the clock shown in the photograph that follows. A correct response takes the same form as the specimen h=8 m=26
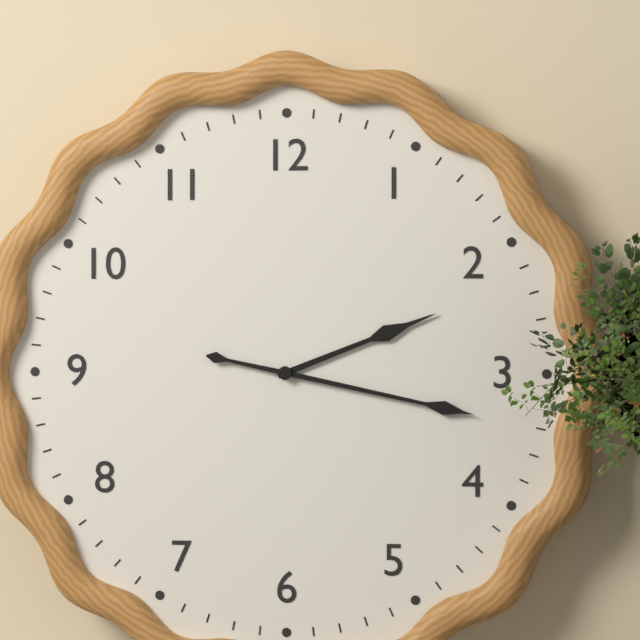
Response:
h=2 m=17
